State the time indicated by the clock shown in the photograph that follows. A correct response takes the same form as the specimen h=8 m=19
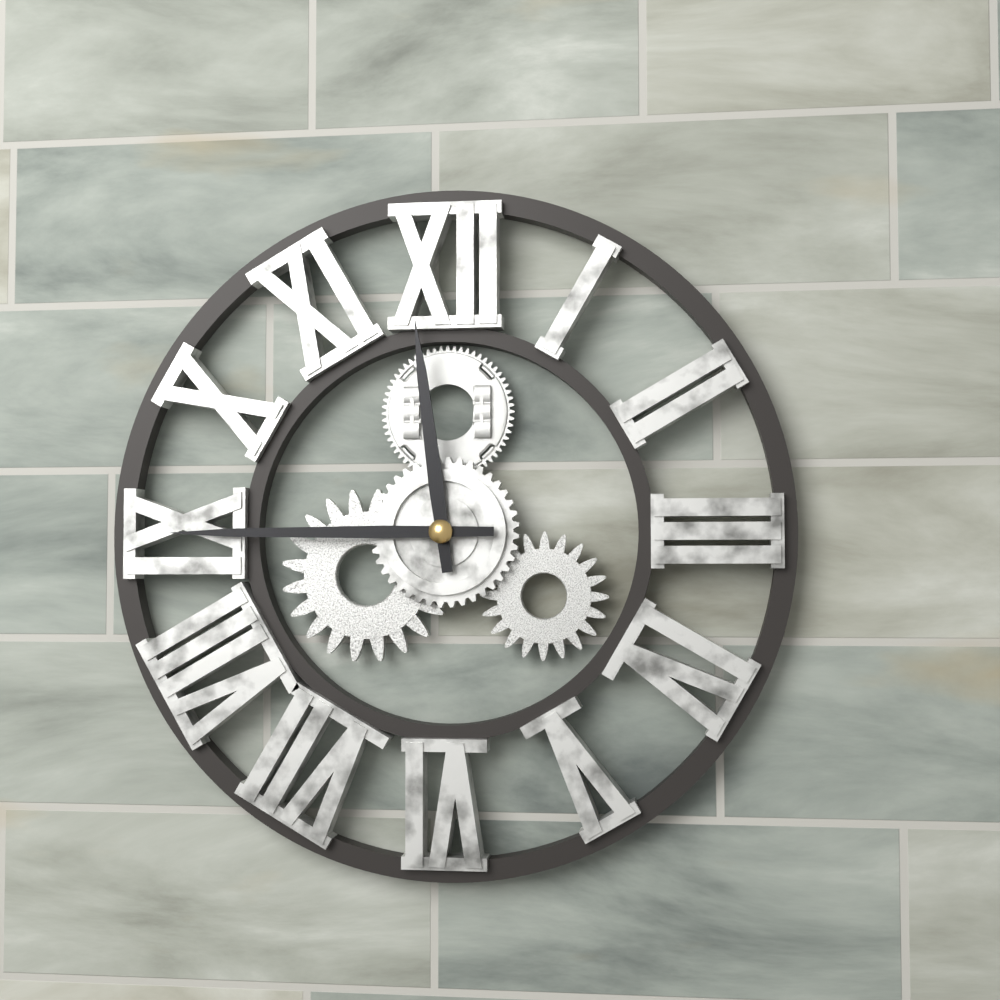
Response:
h=11 m=45
